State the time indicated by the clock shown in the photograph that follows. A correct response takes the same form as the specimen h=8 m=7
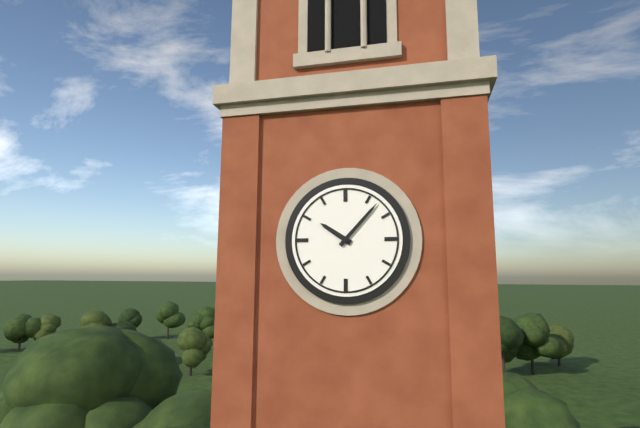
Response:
h=10 m=7
